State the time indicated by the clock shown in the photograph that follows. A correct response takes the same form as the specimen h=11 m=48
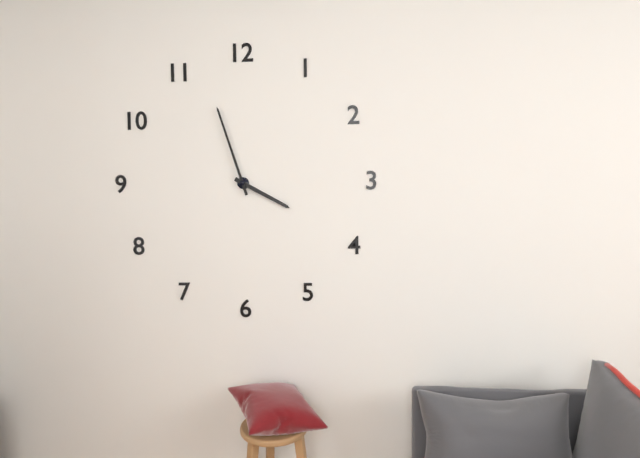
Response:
h=3 m=57
